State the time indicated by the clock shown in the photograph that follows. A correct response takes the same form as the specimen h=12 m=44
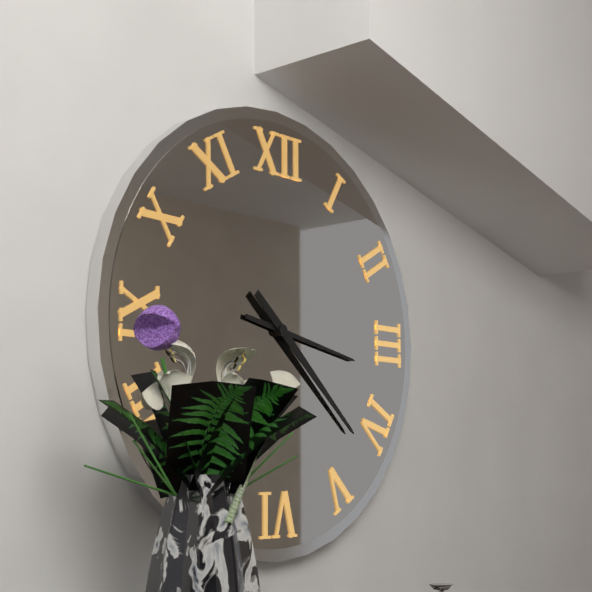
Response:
h=3 m=22
